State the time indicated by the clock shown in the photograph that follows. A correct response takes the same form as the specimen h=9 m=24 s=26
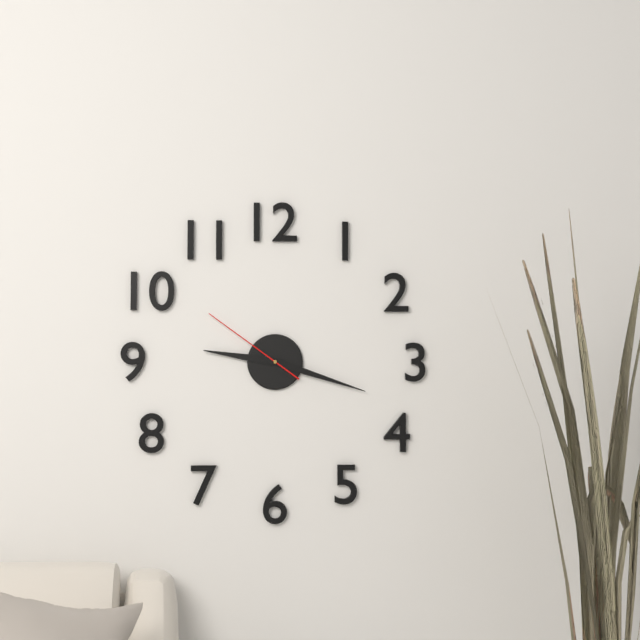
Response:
h=9 m=18 s=51
